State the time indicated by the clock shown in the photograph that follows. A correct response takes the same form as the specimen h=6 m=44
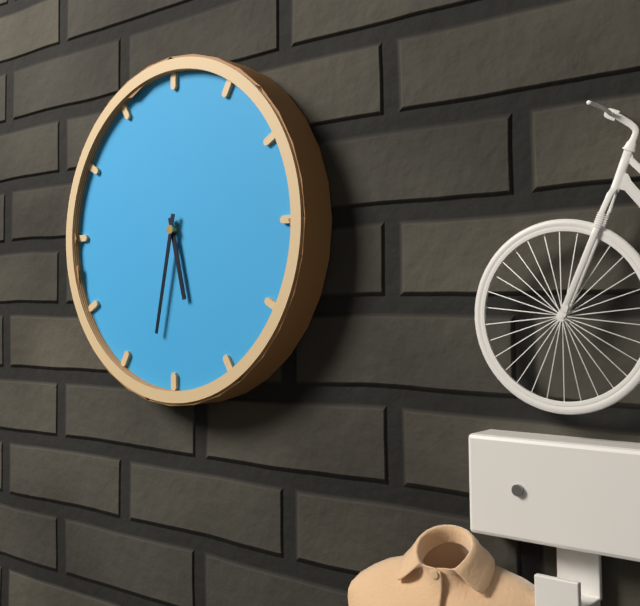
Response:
h=5 m=32
